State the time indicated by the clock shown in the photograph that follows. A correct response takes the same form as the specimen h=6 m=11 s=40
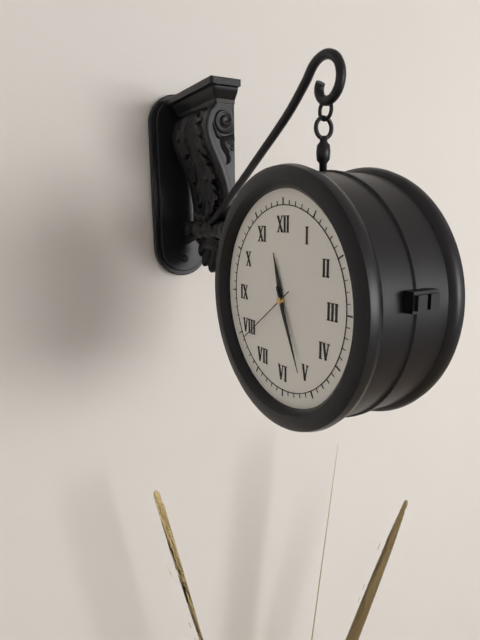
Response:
h=11 m=26 s=39
